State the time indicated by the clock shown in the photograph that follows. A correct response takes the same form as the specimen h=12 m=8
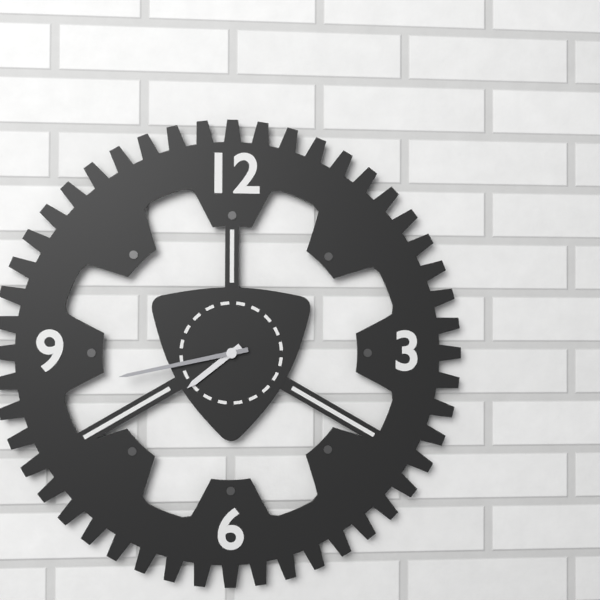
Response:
h=7 m=43
